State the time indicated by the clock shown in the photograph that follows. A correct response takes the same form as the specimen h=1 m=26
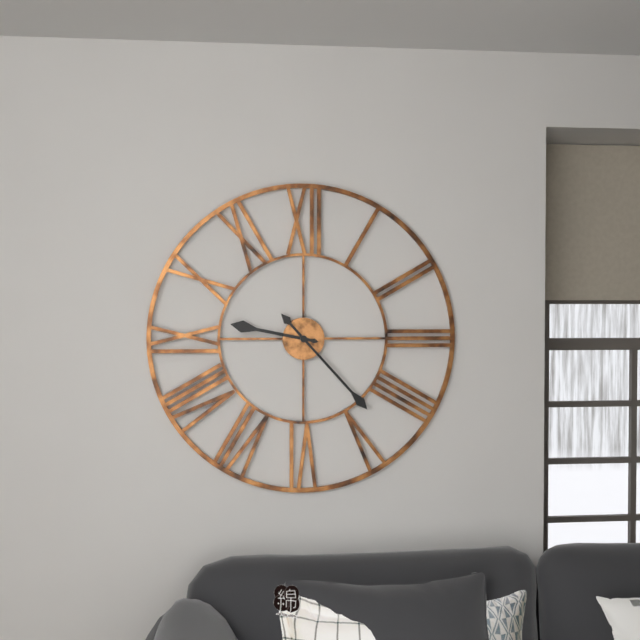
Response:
h=9 m=23
